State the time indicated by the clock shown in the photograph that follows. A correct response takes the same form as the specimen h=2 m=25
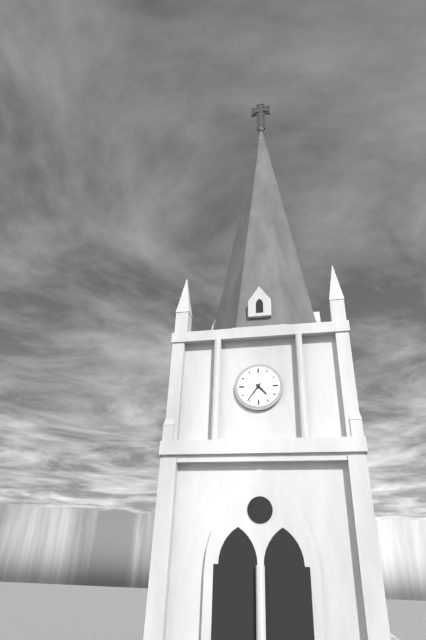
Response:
h=4 m=36
